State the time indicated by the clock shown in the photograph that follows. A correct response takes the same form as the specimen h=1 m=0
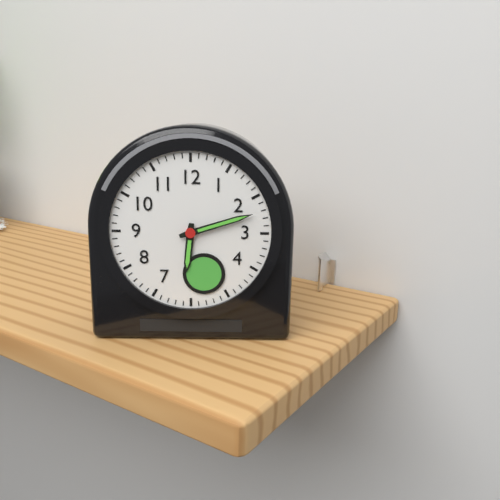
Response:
h=6 m=12
